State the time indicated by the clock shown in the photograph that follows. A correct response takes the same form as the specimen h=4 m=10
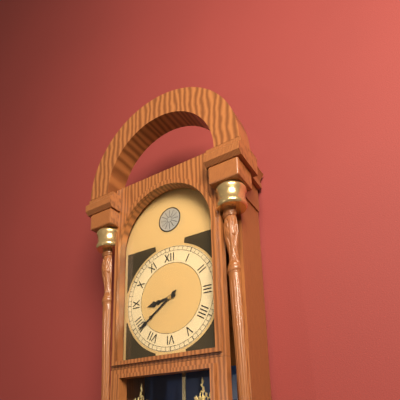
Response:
h=8 m=39
